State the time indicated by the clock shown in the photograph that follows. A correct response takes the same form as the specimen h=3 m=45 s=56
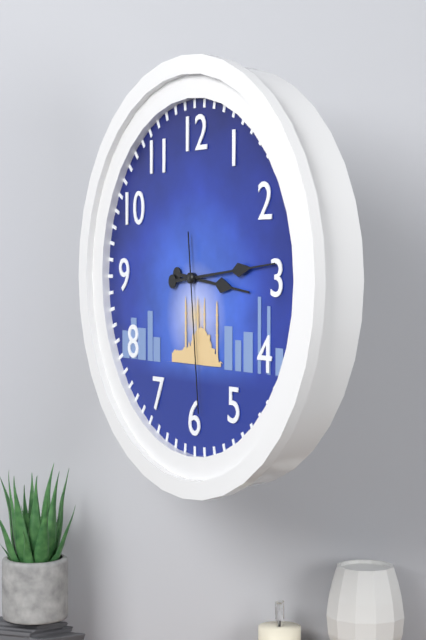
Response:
h=3 m=14 s=29
